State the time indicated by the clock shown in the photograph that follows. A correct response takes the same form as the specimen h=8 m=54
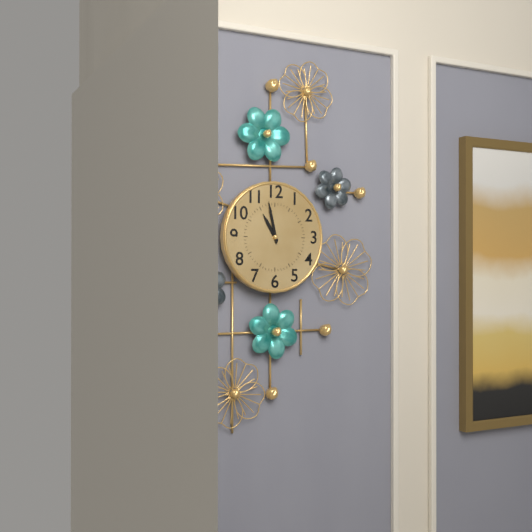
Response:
h=10 m=58
